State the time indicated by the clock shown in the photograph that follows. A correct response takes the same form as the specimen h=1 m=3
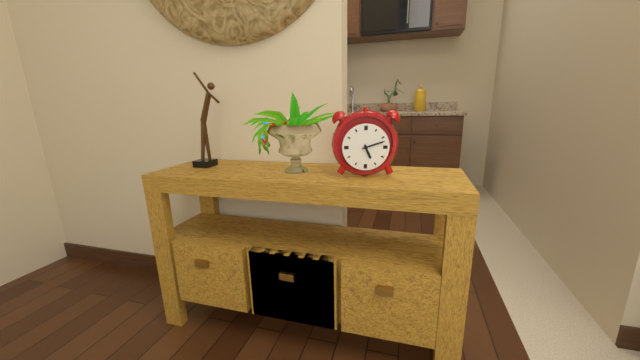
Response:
h=5 m=12
